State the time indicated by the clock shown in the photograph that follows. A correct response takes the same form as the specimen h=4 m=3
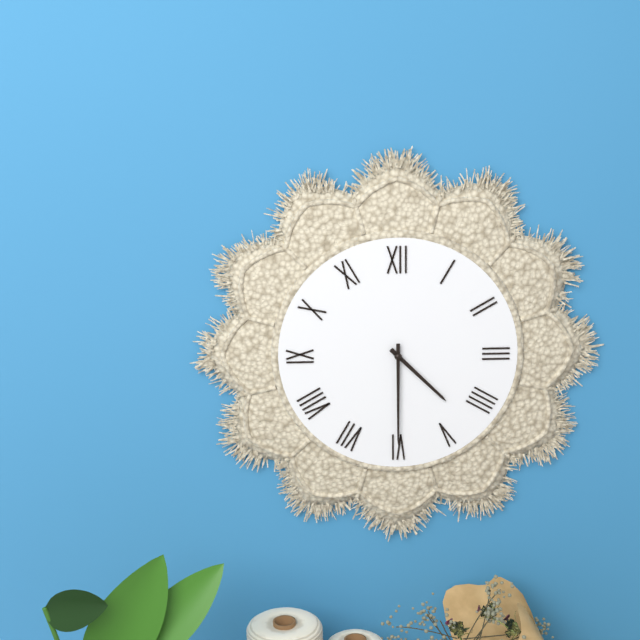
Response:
h=4 m=30
